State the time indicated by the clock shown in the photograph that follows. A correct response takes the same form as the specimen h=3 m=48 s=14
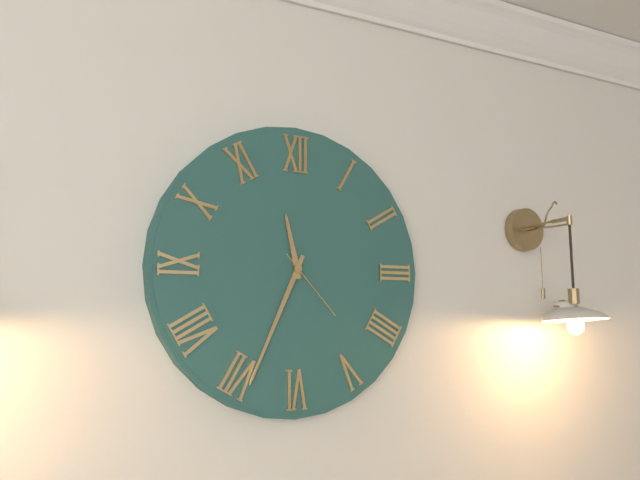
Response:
h=11 m=34 s=23
